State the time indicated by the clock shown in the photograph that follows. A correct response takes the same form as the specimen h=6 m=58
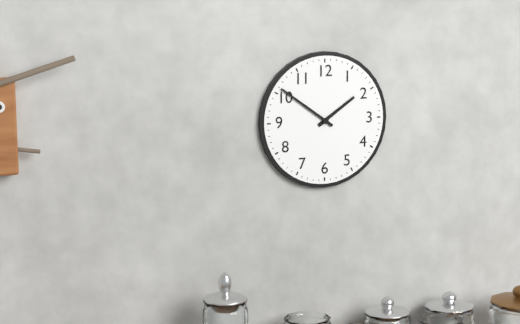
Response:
h=1 m=51
